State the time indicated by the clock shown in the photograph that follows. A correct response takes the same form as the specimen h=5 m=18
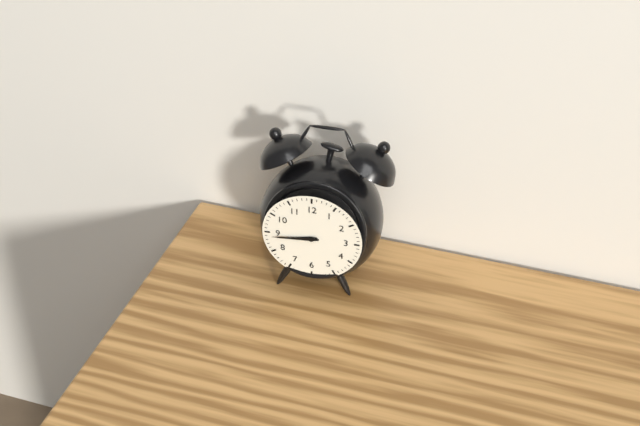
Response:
h=8 m=44
